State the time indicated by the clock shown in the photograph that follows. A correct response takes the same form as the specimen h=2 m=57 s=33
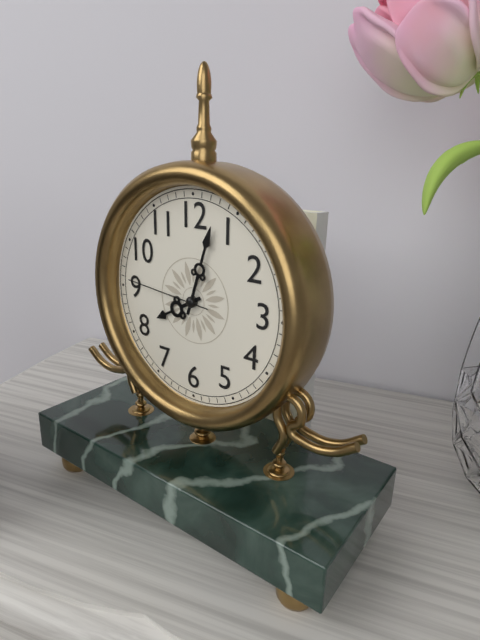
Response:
h=8 m=3 s=46
